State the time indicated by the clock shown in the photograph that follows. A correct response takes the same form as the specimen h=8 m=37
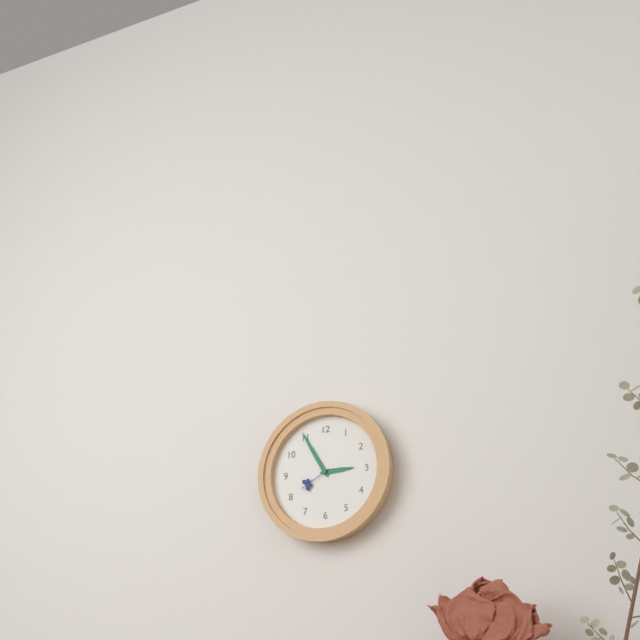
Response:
h=2 m=55
